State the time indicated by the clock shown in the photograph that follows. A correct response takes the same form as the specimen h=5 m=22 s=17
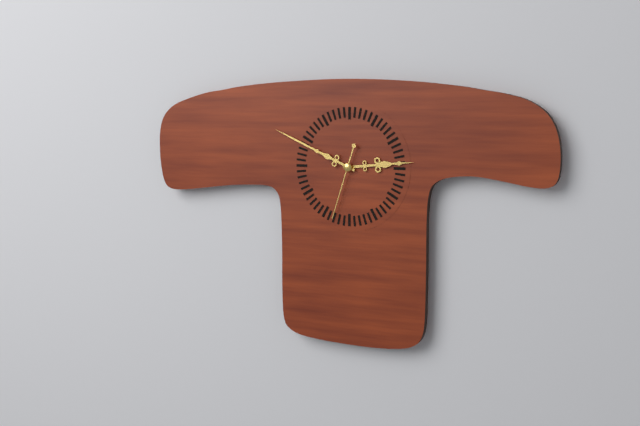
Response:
h=2 m=49 s=33
